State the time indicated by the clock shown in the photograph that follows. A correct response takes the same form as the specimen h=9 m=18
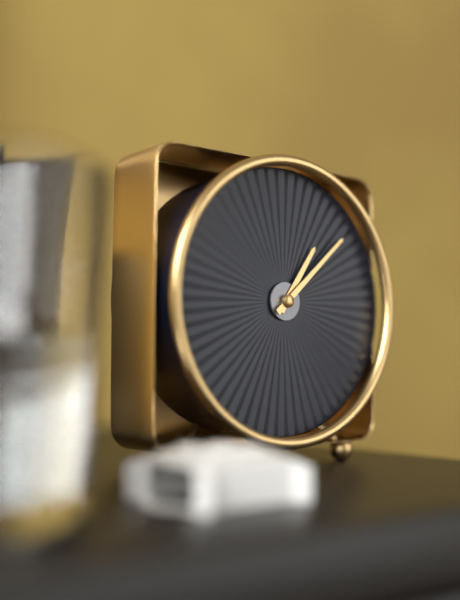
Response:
h=1 m=8
